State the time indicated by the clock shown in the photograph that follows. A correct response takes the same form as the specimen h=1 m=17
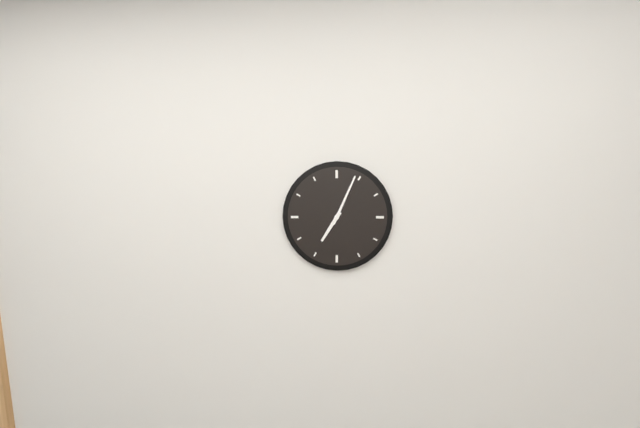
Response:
h=7 m=4
